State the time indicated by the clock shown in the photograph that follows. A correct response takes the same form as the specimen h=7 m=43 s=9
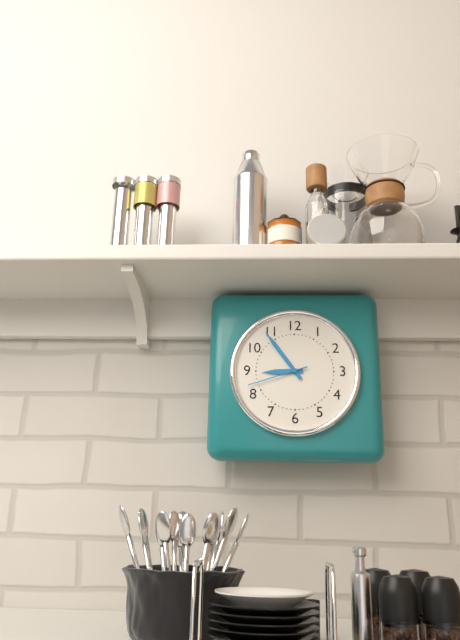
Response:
h=8 m=54 s=42
